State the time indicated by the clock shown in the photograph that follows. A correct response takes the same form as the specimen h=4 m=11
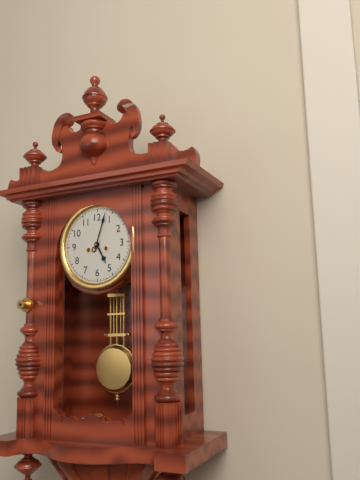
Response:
h=5 m=3
